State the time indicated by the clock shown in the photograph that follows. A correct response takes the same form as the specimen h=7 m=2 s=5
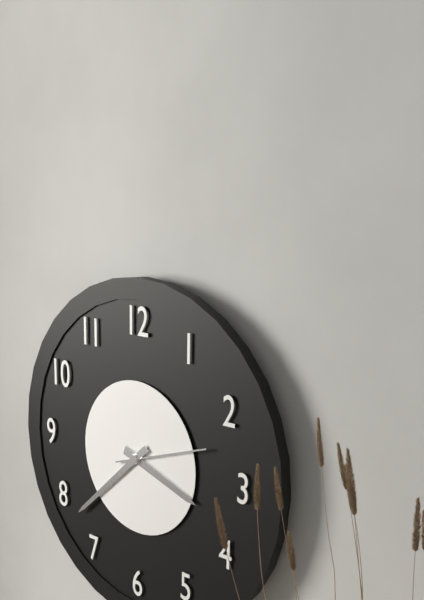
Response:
h=3 m=38 s=12
